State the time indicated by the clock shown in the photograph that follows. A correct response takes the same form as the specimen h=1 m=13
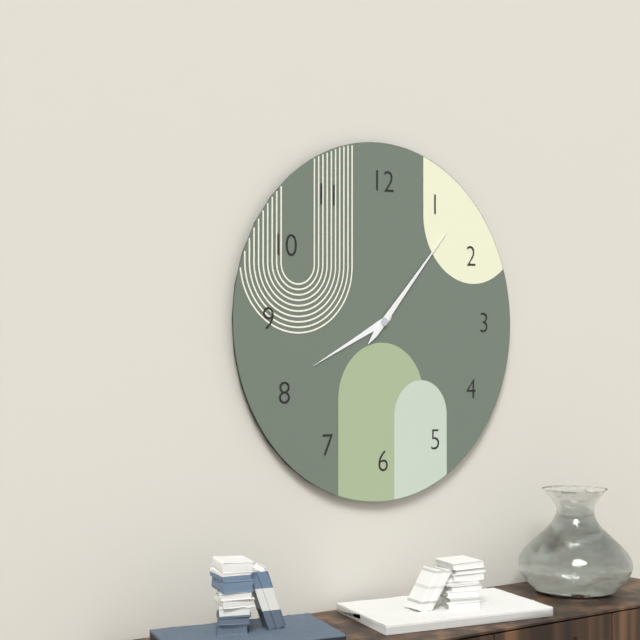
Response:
h=8 m=7
